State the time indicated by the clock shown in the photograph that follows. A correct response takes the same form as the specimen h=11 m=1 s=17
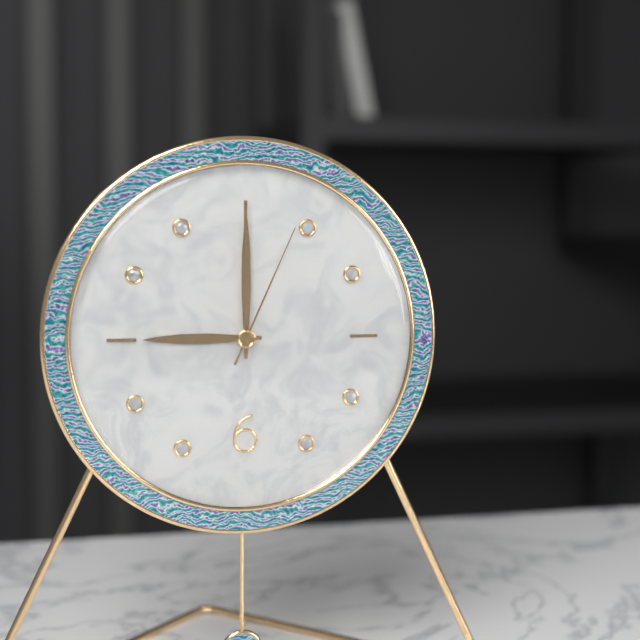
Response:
h=9 m=0 s=4
